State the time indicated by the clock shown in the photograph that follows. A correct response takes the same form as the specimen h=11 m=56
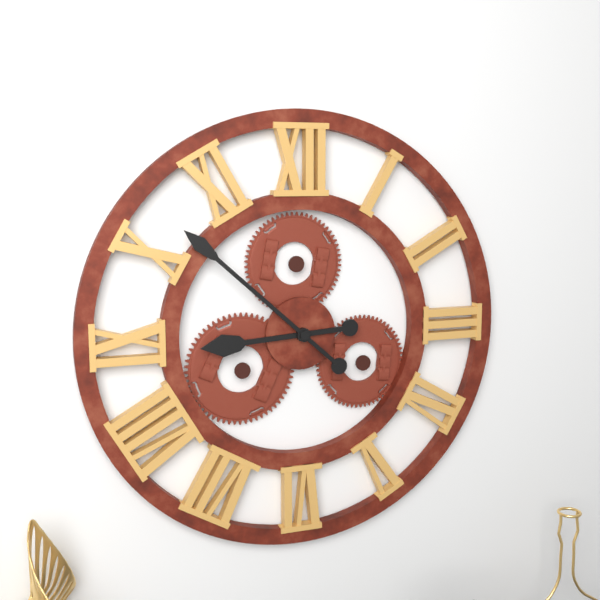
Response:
h=8 m=52
